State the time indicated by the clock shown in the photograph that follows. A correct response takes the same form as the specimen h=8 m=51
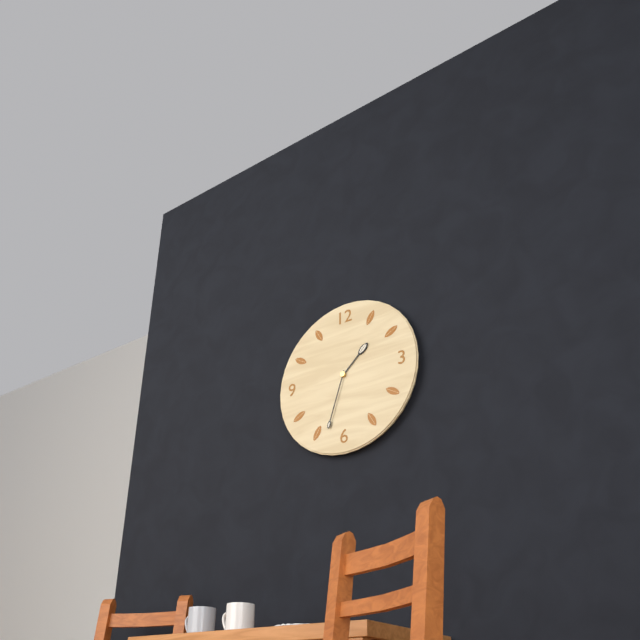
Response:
h=1 m=33
